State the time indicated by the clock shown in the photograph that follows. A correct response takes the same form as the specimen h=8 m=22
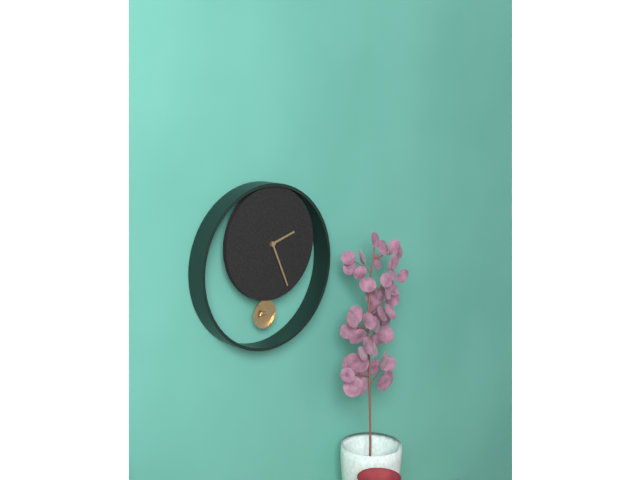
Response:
h=2 m=26
